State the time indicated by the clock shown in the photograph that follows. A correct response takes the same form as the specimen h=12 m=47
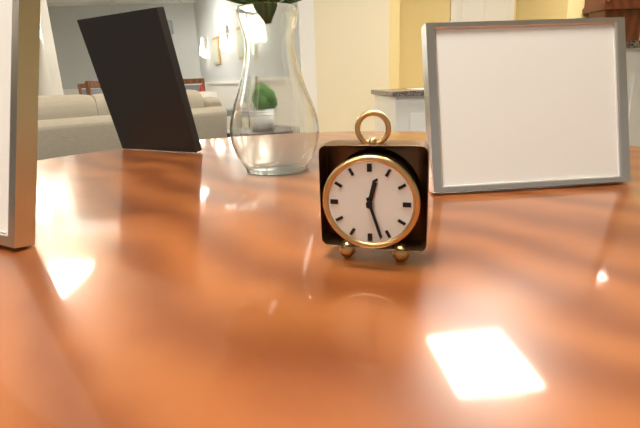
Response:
h=12 m=27
